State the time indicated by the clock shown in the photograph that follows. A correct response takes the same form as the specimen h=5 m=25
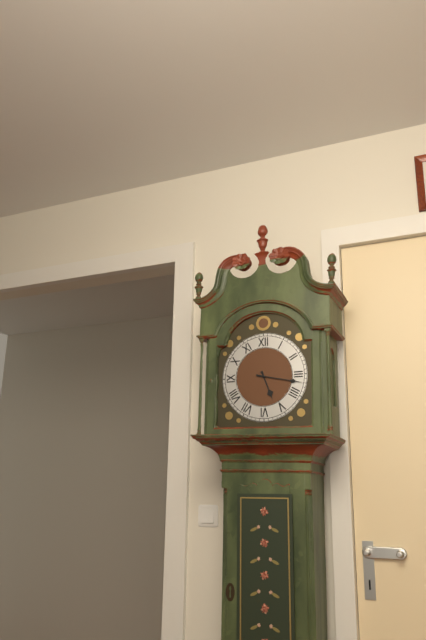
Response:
h=5 m=17
